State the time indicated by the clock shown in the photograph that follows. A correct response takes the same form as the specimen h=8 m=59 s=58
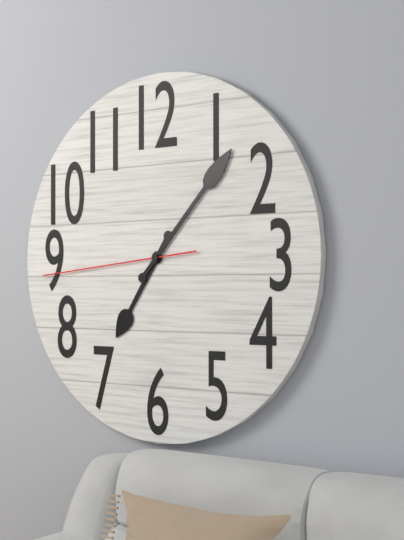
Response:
h=7 m=7 s=44
